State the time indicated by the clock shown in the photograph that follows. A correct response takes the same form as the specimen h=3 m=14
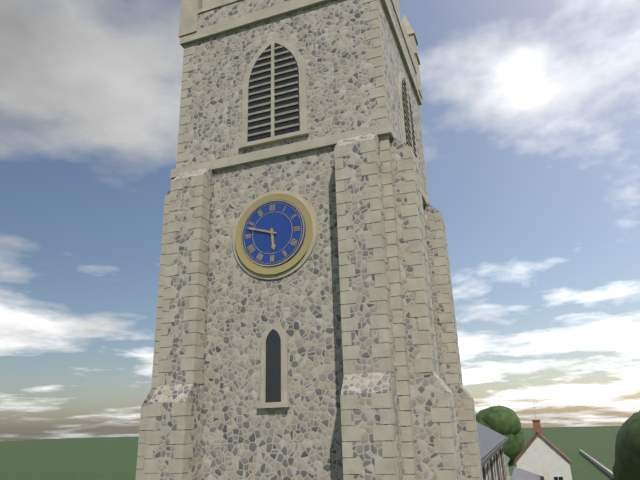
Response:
h=5 m=48
